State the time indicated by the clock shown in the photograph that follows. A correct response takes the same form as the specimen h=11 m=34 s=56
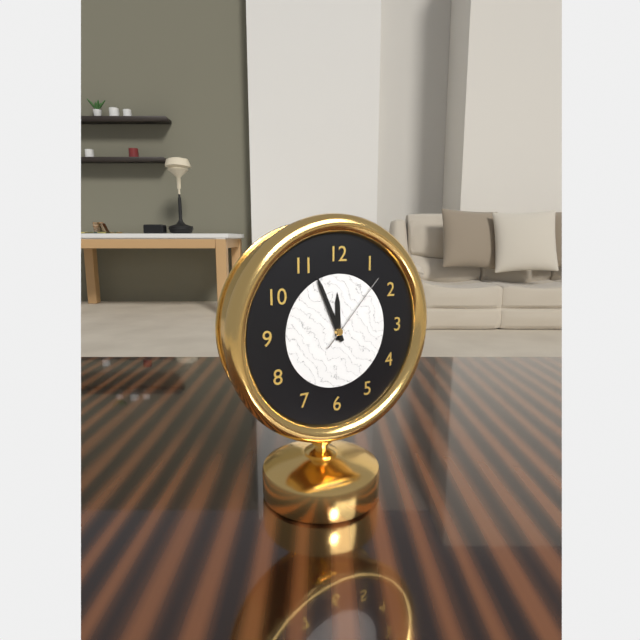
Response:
h=11 m=56 s=7
